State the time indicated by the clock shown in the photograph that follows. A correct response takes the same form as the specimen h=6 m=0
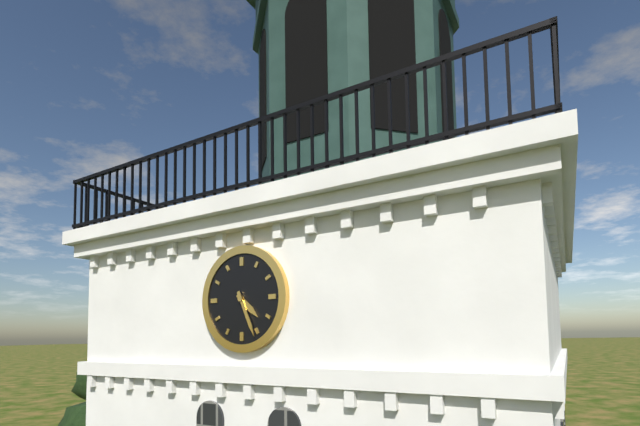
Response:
h=4 m=26
